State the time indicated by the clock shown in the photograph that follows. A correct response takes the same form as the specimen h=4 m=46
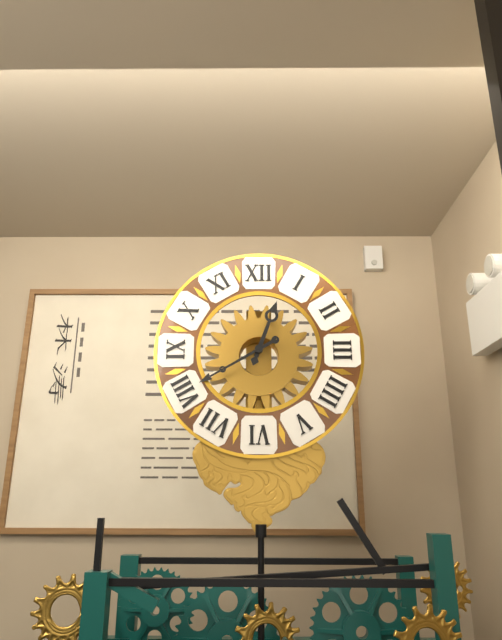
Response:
h=12 m=40
